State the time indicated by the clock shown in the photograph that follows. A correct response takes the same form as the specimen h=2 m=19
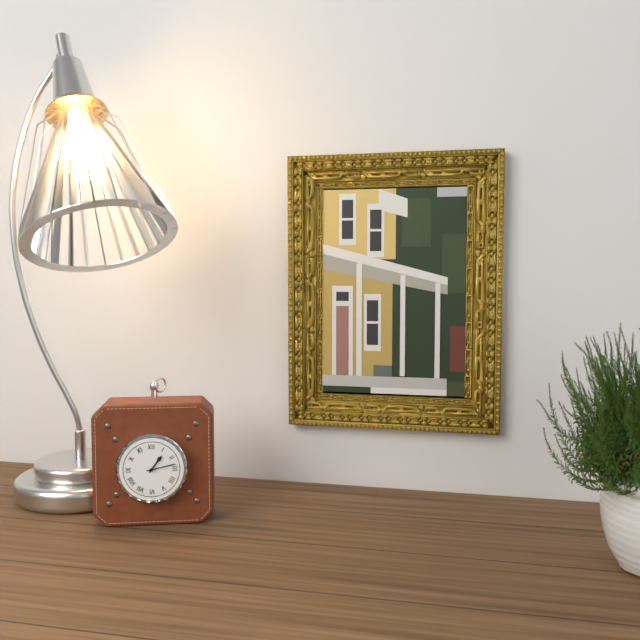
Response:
h=1 m=13
